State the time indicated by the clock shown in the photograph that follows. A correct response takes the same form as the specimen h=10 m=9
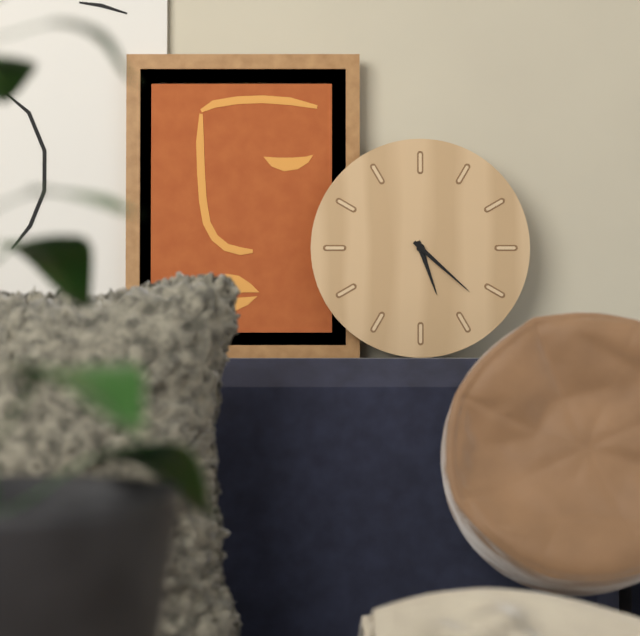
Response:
h=5 m=22
